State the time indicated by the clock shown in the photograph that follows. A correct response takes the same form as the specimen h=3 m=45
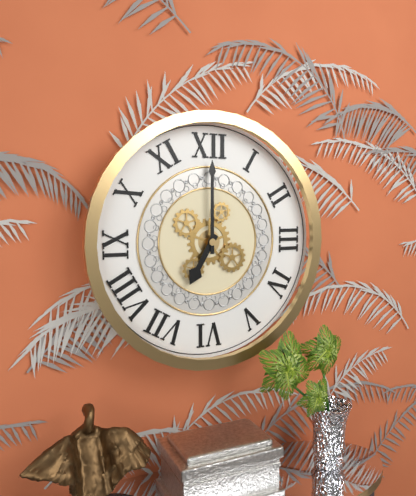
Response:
h=7 m=0
